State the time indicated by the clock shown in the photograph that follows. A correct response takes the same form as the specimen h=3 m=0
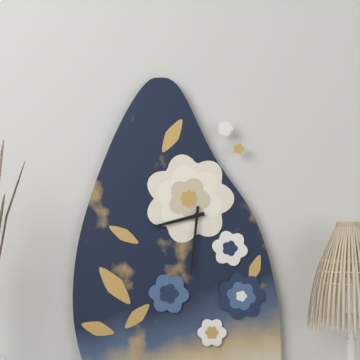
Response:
h=8 m=31
